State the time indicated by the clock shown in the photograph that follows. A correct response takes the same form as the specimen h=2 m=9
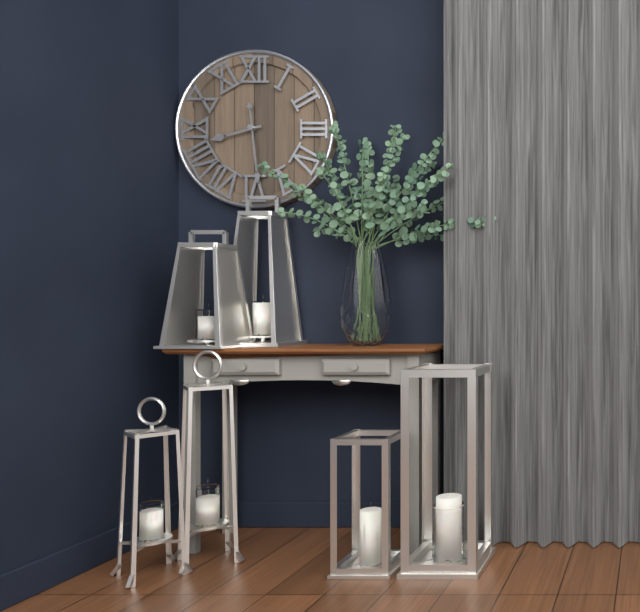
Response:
h=8 m=29
